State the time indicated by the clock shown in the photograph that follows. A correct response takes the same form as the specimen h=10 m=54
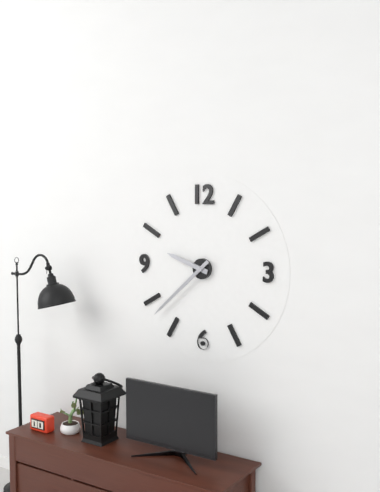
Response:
h=9 m=38
